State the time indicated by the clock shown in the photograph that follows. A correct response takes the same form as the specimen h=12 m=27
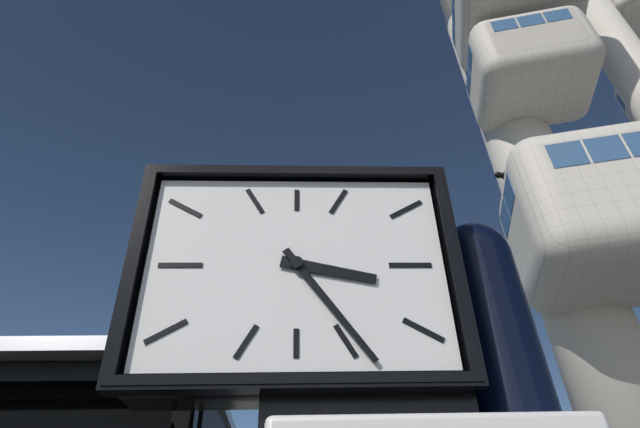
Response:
h=3 m=24
